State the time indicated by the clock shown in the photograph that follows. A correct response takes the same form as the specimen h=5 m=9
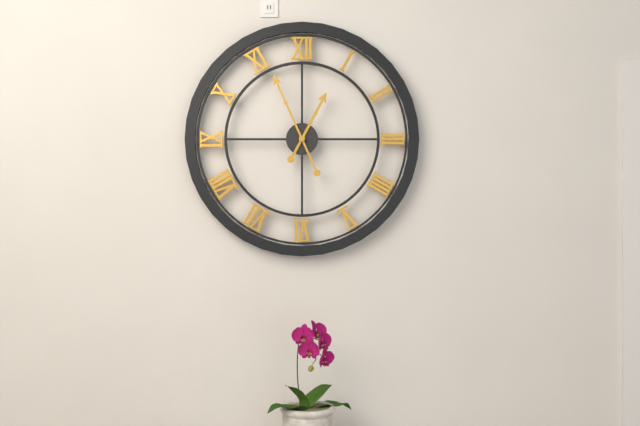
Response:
h=12 m=56
